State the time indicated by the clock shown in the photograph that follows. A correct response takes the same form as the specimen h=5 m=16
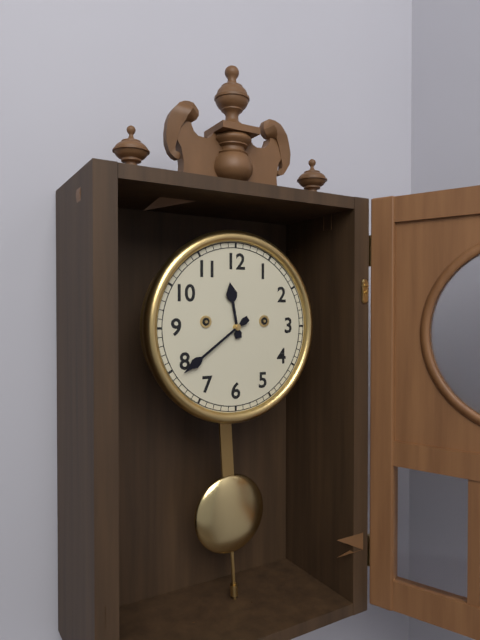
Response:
h=11 m=39
